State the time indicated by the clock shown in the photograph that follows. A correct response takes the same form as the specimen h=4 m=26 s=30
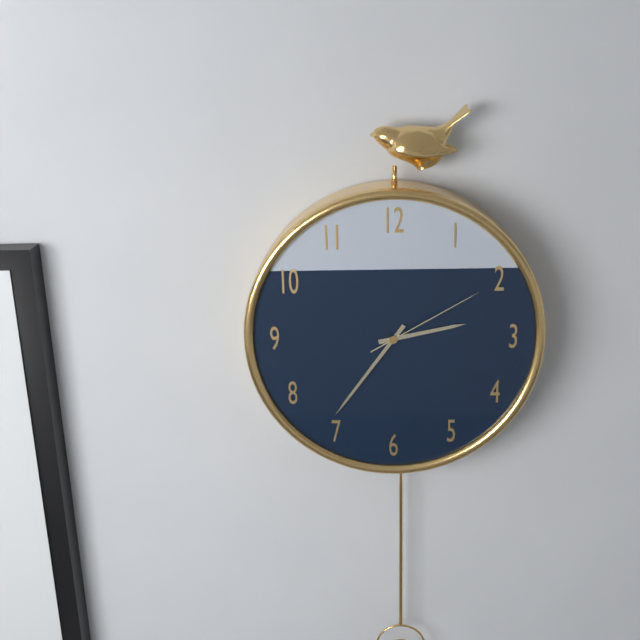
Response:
h=2 m=36 s=10
